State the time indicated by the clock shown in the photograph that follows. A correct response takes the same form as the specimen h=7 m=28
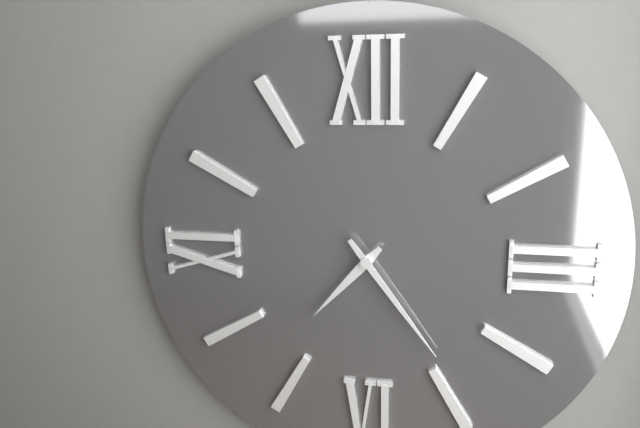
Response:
h=7 m=24
